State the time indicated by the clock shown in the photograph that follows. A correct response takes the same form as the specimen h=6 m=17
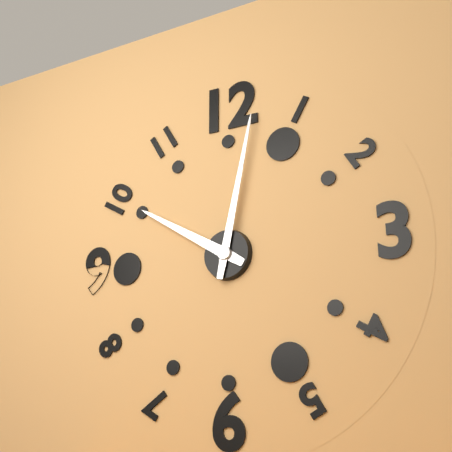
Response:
h=10 m=2
